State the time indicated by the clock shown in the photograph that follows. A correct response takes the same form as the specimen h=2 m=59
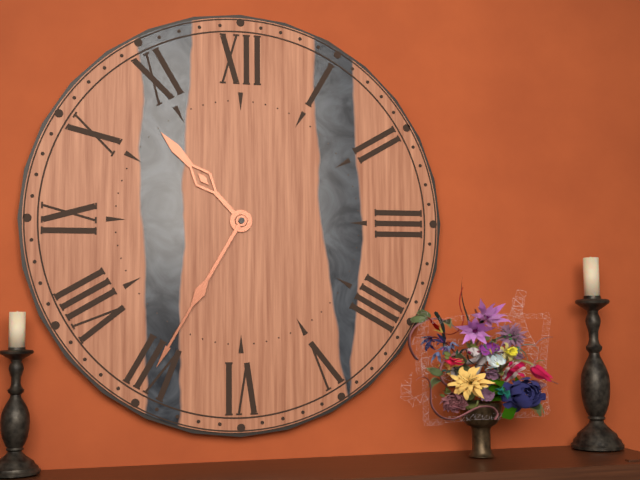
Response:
h=10 m=35
